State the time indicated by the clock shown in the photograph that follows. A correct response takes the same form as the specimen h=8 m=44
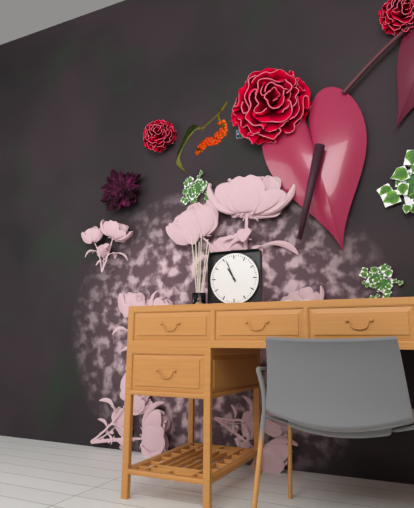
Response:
h=10 m=56
